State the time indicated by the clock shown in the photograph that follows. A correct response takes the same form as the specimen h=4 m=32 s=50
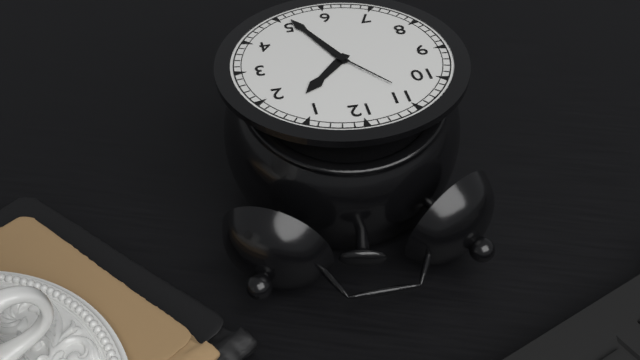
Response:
h=1 m=26 s=54
